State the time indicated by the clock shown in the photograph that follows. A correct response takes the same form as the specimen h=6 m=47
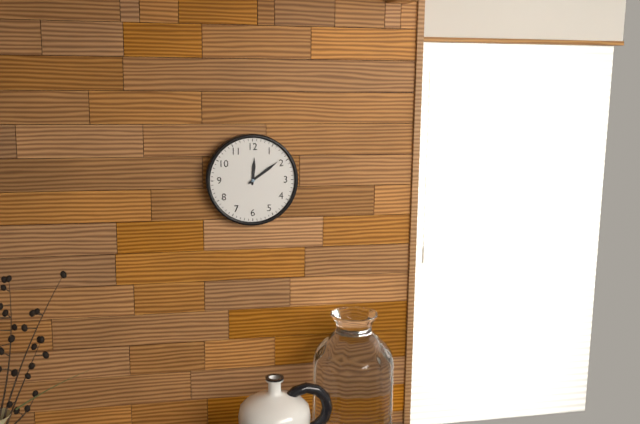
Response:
h=12 m=9
